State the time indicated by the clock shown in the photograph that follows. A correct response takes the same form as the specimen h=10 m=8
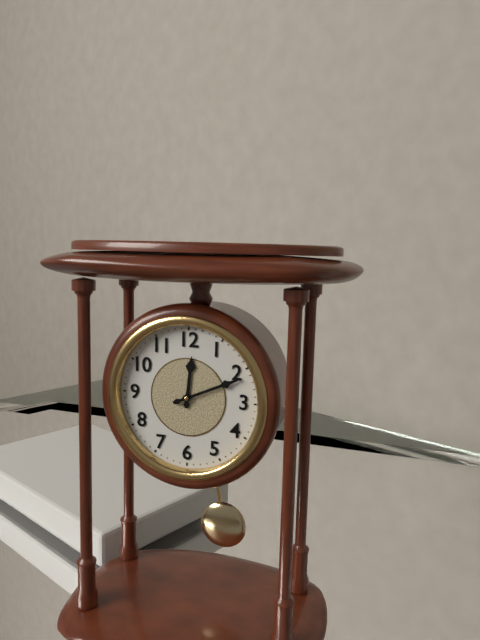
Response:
h=12 m=11
